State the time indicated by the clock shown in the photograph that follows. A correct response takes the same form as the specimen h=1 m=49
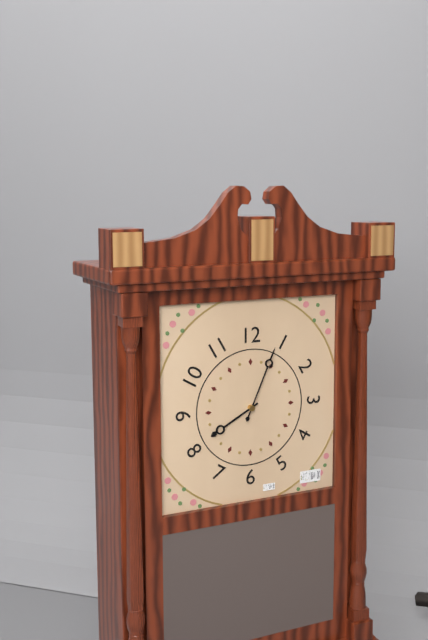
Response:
h=8 m=4
